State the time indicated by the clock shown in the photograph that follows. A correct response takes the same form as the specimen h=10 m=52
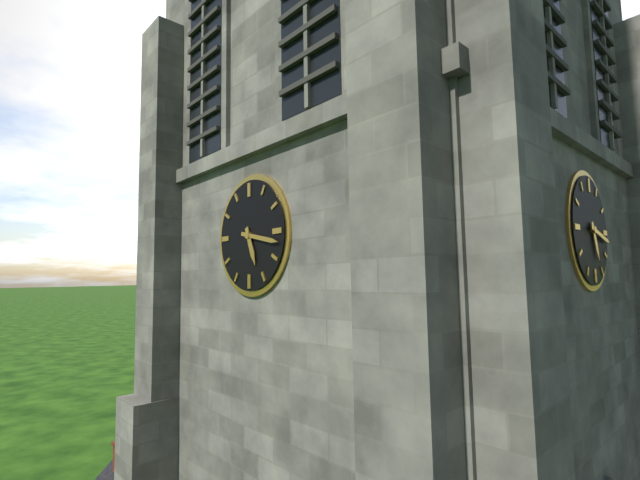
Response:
h=5 m=17
